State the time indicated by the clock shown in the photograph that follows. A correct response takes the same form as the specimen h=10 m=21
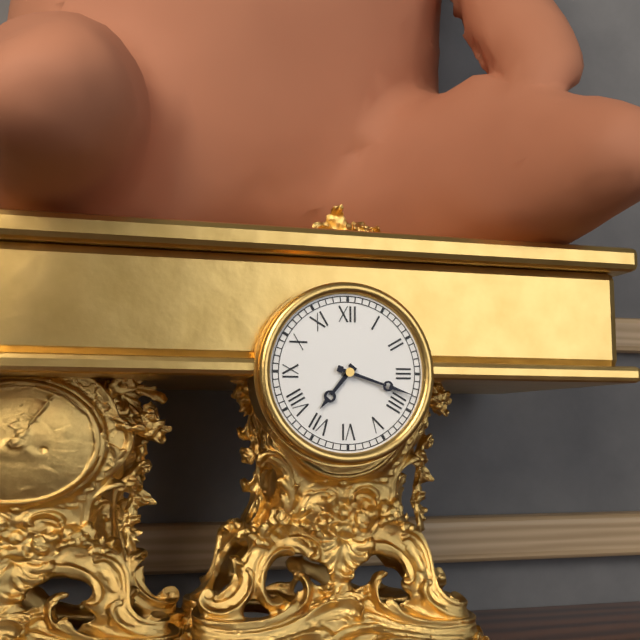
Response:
h=7 m=18
